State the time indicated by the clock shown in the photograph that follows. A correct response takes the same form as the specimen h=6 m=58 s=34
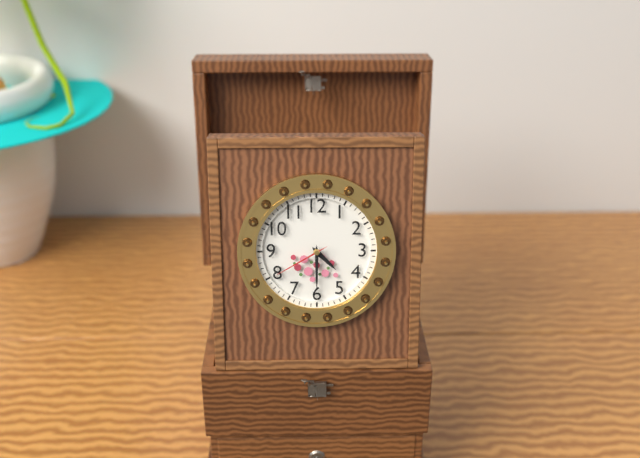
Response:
h=4 m=30 s=40
